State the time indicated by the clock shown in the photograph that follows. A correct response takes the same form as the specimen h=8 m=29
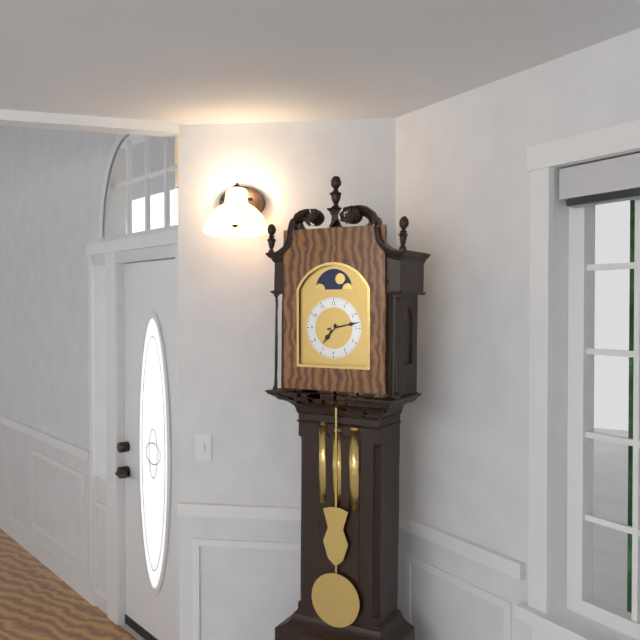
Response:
h=7 m=13
